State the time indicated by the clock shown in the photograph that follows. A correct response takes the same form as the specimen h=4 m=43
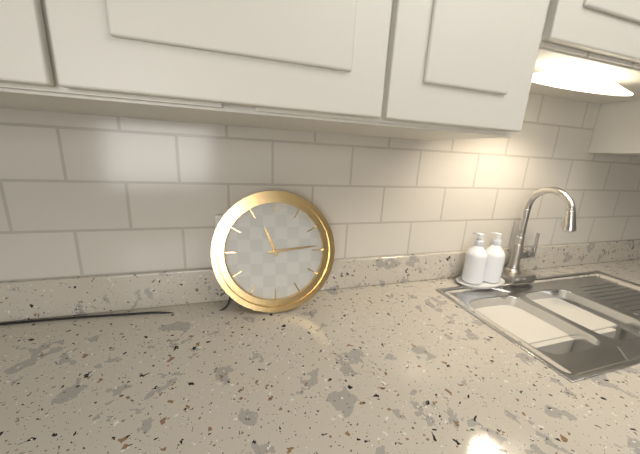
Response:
h=11 m=14
